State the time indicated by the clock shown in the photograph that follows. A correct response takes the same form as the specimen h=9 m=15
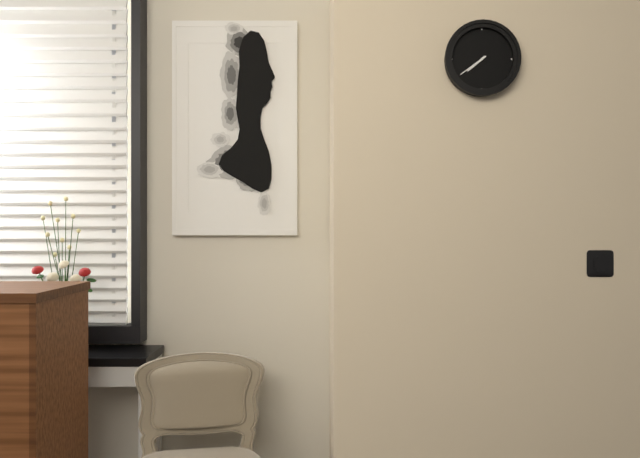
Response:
h=7 m=39
